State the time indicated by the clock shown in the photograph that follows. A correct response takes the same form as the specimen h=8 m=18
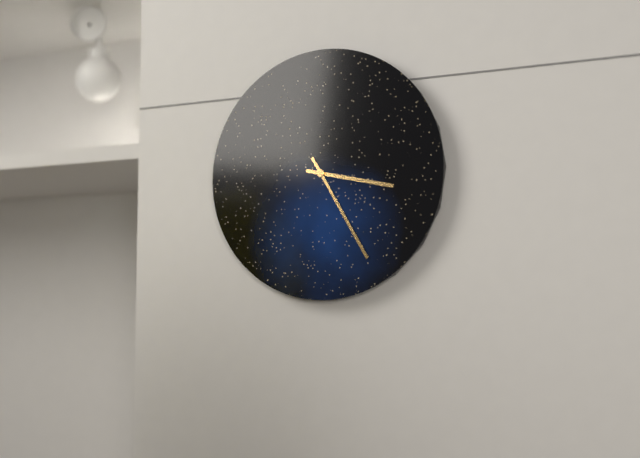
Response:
h=3 m=25
